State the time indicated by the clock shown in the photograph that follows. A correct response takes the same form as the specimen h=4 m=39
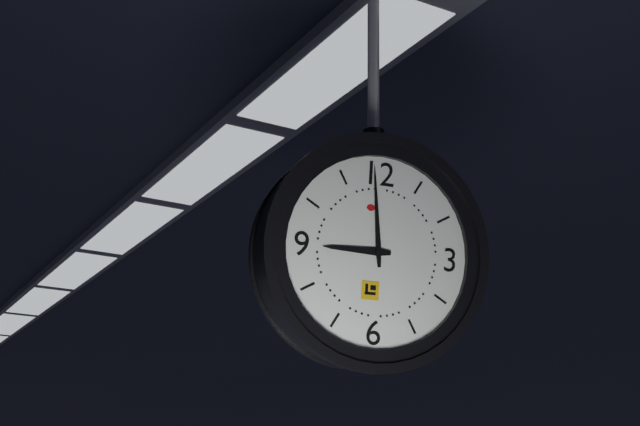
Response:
h=8 m=59
